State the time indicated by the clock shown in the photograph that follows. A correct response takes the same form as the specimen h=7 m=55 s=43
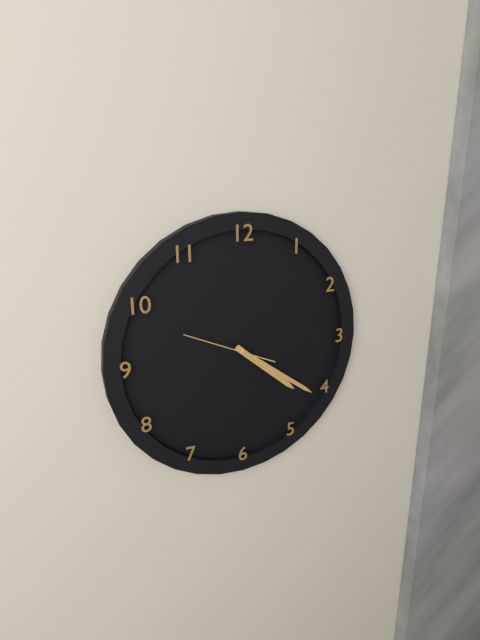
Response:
h=4 m=21 s=49
